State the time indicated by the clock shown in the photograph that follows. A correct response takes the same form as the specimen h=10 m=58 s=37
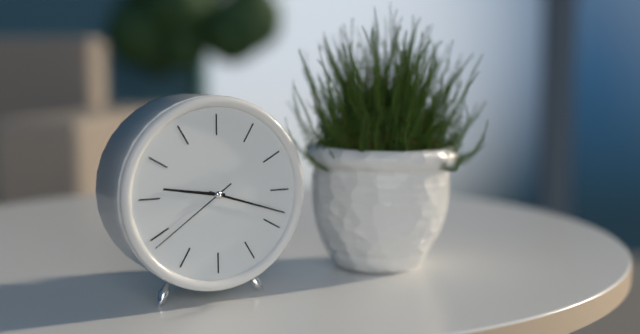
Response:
h=9 m=18 s=39
